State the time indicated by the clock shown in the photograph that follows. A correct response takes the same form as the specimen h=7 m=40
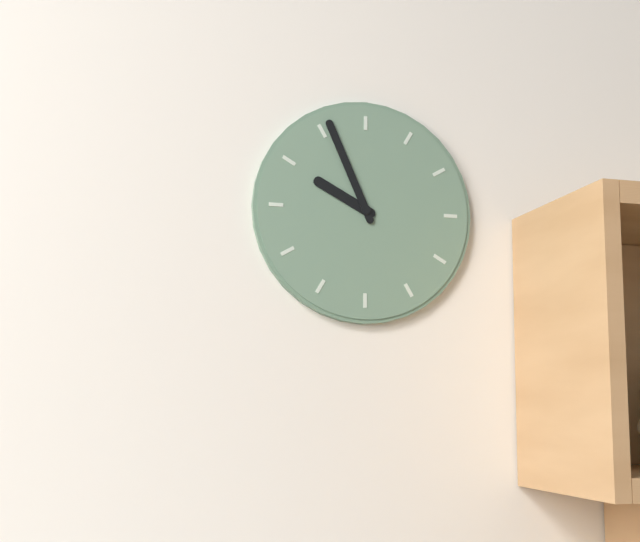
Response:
h=9 m=56
